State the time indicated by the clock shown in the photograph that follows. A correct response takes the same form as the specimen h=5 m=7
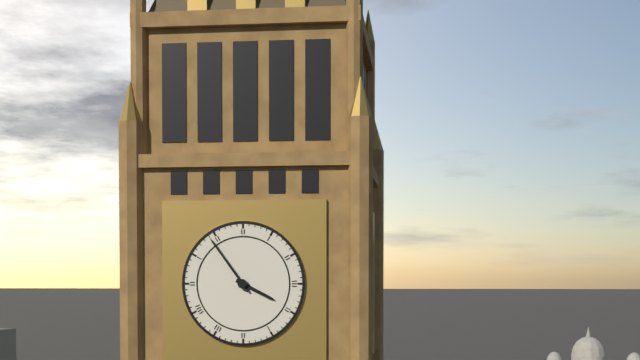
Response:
h=3 m=54
